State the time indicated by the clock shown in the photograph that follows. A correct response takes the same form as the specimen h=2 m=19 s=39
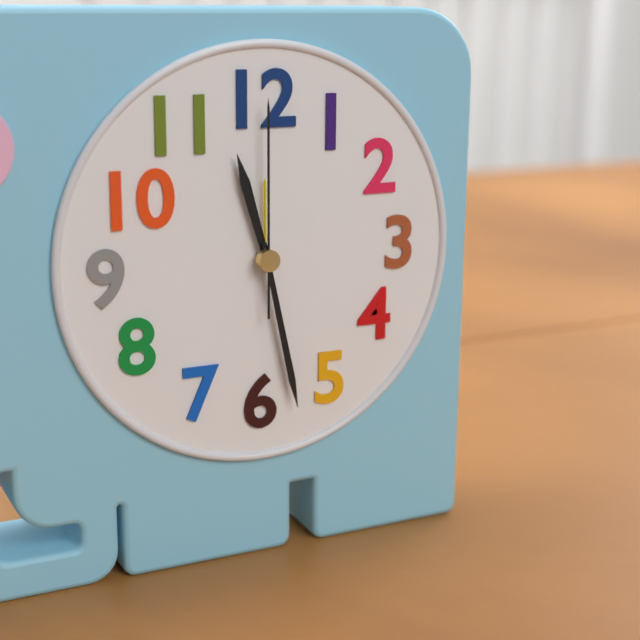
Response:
h=11 m=28 s=0
